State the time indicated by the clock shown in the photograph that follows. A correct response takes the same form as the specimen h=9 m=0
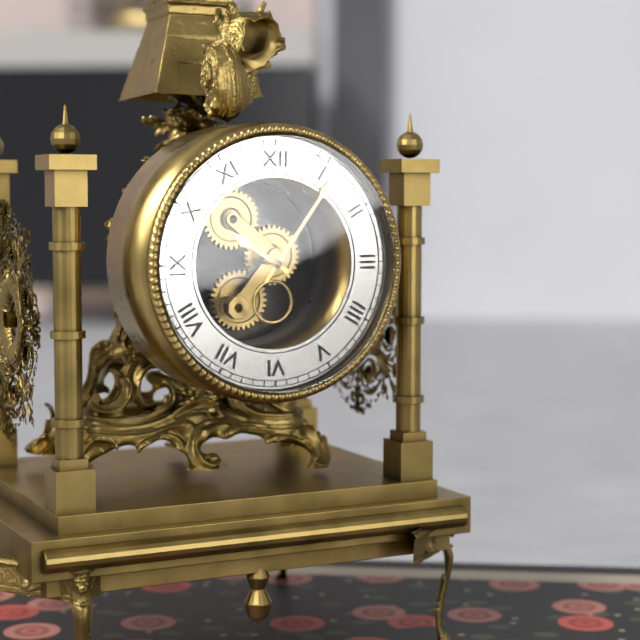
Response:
h=10 m=6
